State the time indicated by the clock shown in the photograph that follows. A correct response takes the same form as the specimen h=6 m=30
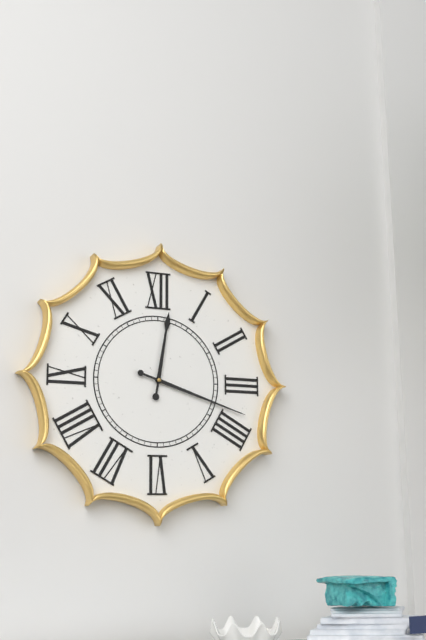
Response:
h=12 m=18
